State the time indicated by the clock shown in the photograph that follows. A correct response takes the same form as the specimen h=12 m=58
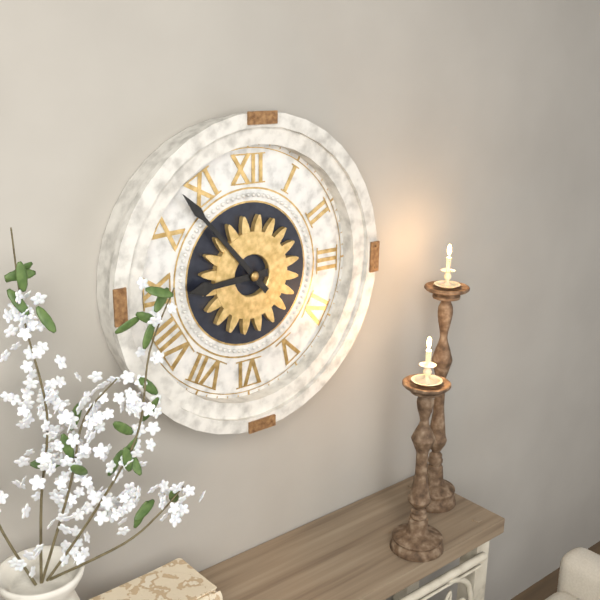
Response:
h=8 m=53
